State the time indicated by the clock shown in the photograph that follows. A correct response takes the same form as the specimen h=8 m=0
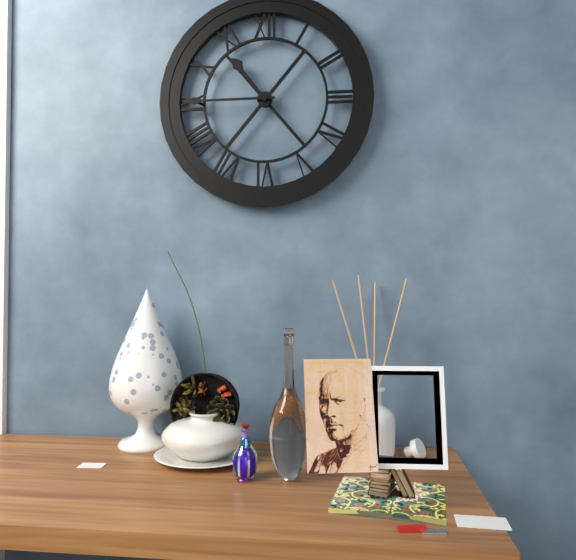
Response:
h=10 m=45
